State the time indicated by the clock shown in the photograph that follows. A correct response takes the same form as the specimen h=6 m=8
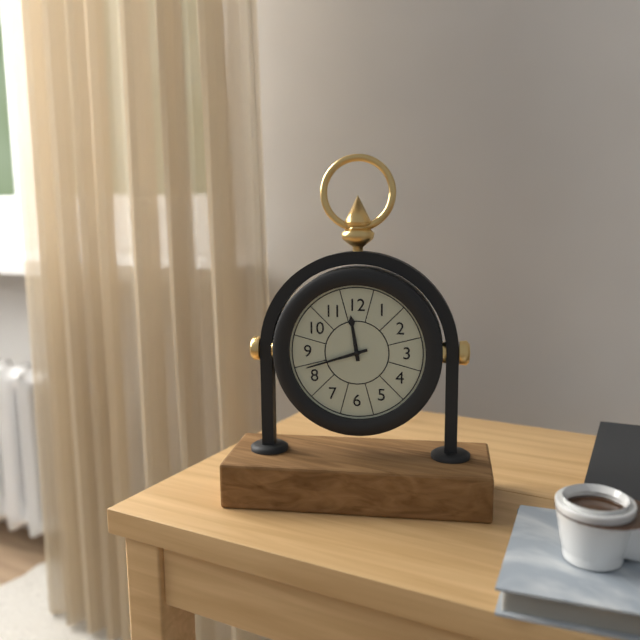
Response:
h=11 m=42
